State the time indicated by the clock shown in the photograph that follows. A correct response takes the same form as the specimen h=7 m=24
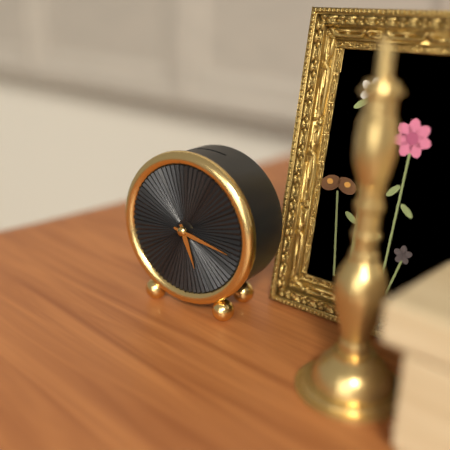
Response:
h=5 m=17
